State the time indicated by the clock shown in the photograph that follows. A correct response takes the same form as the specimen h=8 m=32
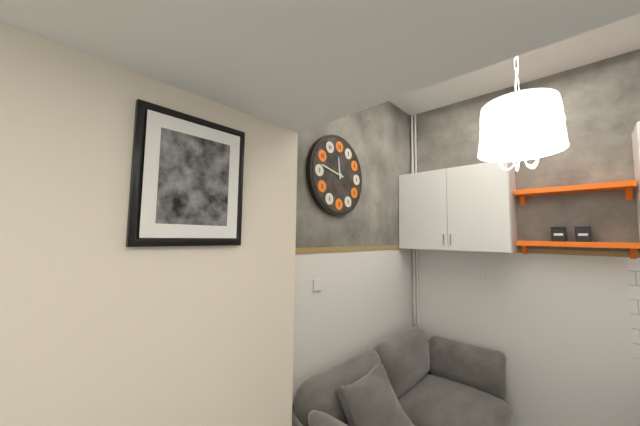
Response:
h=11 m=47
